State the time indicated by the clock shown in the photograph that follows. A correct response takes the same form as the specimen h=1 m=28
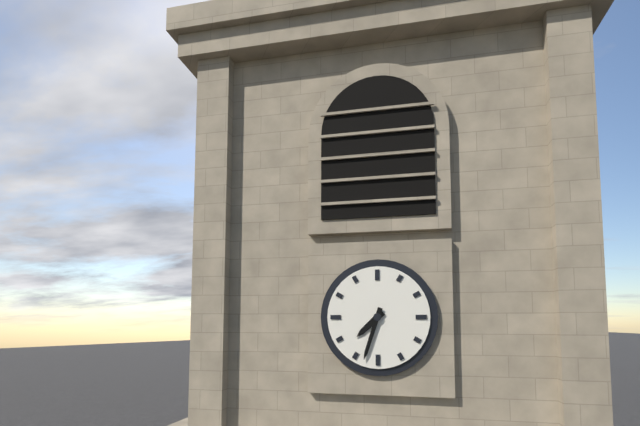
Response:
h=7 m=33
